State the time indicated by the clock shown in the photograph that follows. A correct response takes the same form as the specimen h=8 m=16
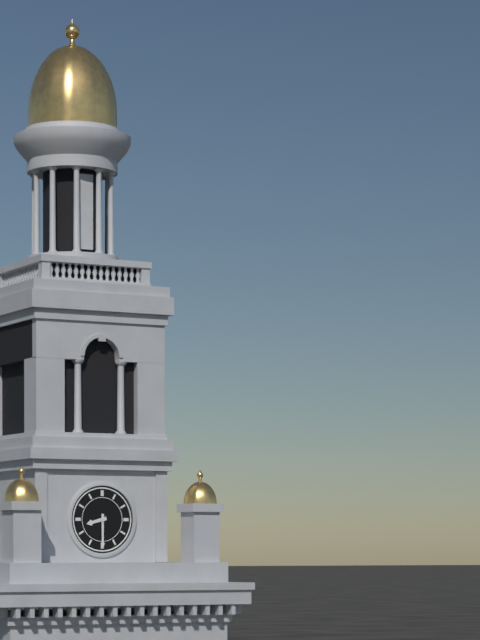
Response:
h=8 m=30
